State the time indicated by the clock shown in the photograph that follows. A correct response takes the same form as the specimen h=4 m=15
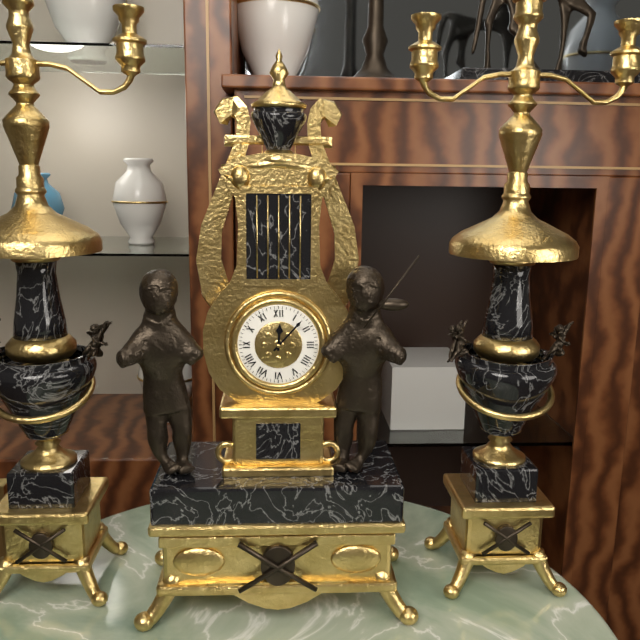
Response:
h=12 m=7
